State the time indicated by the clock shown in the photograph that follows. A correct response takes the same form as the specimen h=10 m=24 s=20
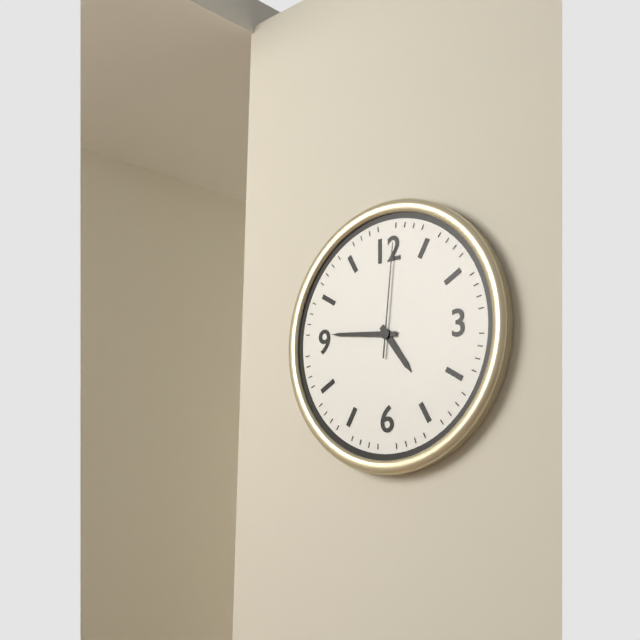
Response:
h=4 m=46 s=1
